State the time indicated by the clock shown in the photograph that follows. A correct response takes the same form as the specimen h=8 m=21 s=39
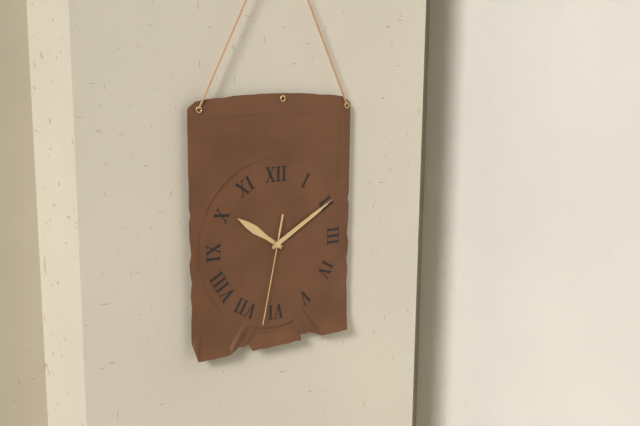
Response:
h=10 m=10 s=32
